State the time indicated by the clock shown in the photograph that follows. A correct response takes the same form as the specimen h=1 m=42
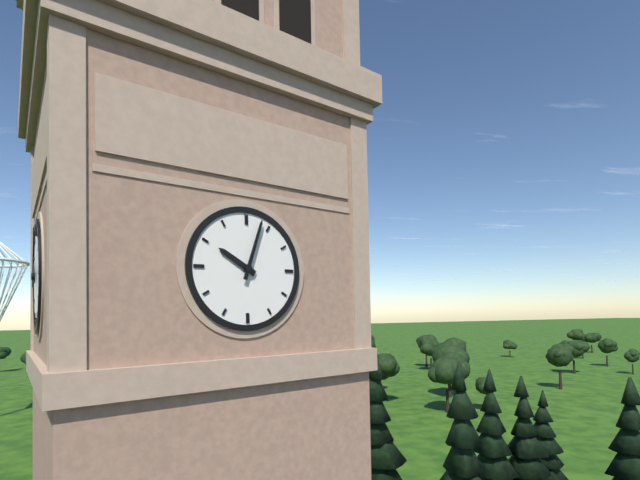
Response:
h=10 m=3
